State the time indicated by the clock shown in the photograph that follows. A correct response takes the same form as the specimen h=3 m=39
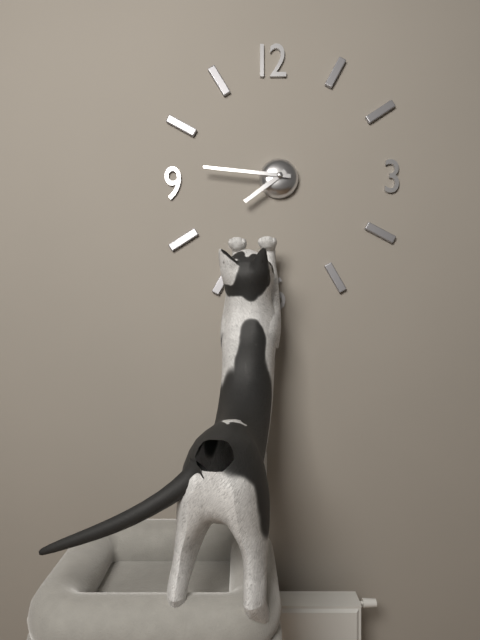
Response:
h=7 m=46
